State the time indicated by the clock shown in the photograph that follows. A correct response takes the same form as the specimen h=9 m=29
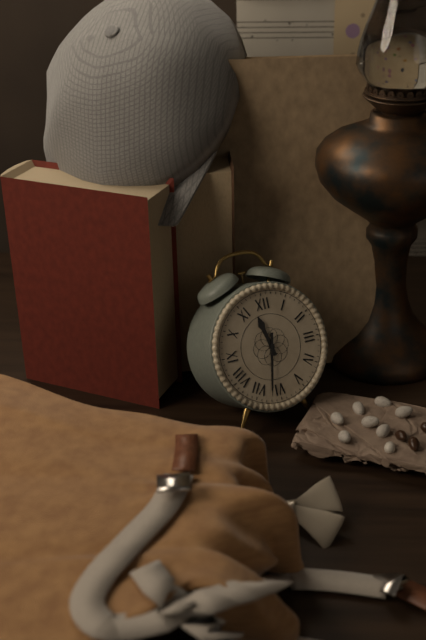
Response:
h=11 m=32
